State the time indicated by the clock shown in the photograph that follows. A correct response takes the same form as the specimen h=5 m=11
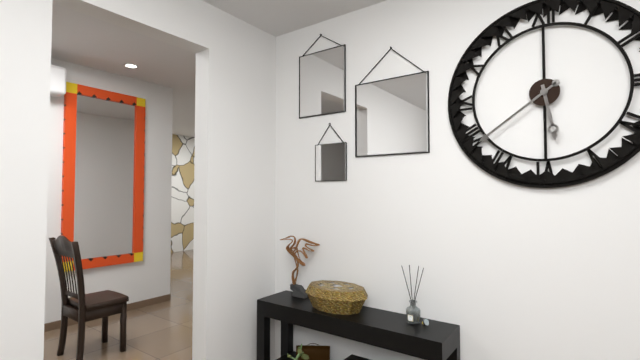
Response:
h=5 m=39
